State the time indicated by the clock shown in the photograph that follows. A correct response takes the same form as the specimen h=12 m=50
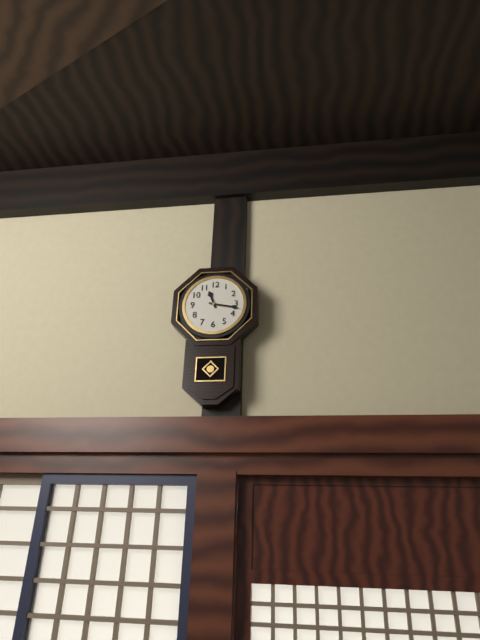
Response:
h=11 m=17
